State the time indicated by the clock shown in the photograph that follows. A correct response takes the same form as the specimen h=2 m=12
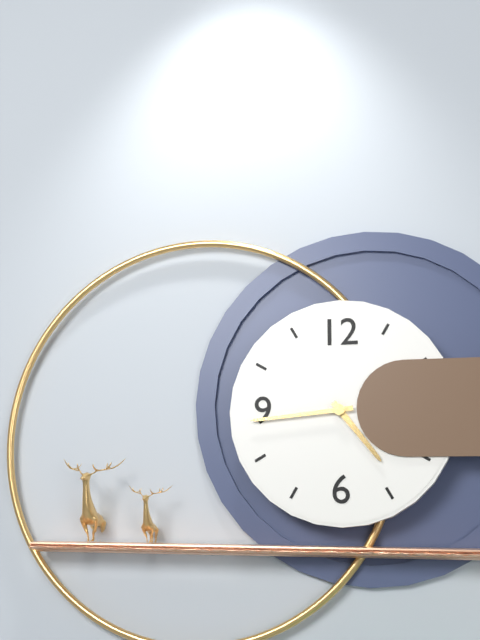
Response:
h=4 m=44
